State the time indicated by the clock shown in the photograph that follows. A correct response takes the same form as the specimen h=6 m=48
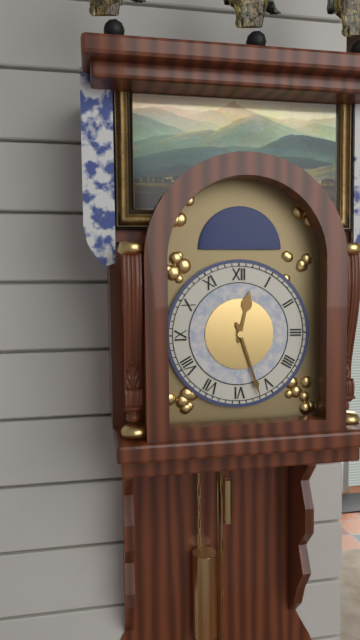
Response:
h=12 m=27
